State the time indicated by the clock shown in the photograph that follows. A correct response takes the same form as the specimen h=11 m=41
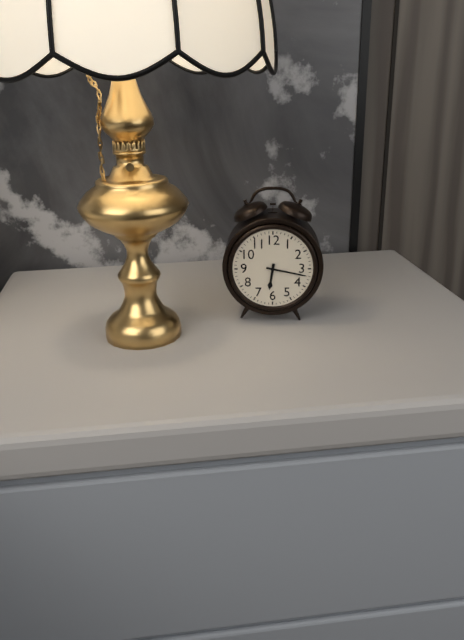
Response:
h=6 m=17
